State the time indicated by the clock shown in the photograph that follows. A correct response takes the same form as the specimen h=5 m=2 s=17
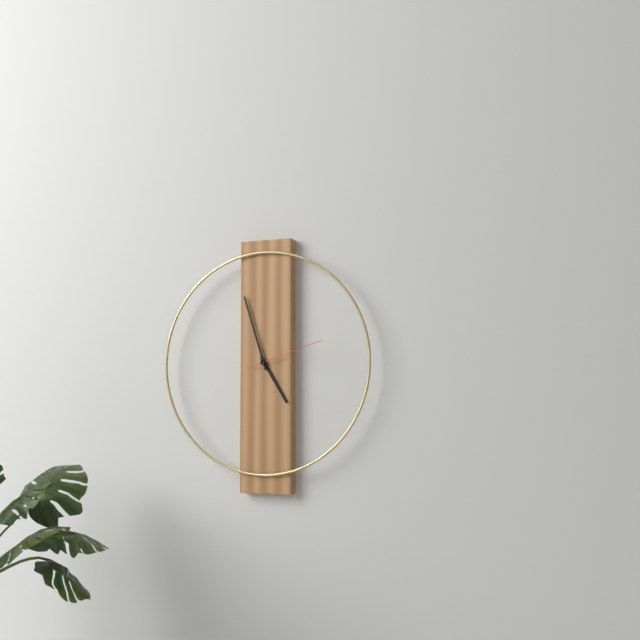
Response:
h=4 m=57 s=12
